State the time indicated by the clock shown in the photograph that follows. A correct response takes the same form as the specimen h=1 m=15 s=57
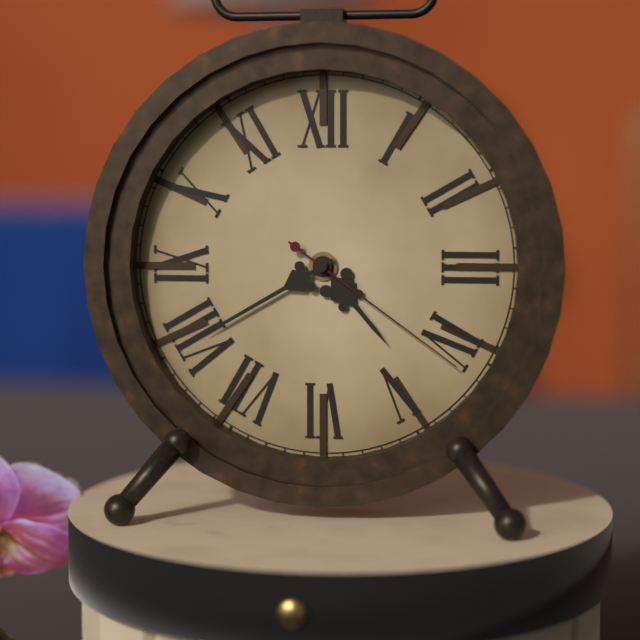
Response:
h=4 m=40 s=21
